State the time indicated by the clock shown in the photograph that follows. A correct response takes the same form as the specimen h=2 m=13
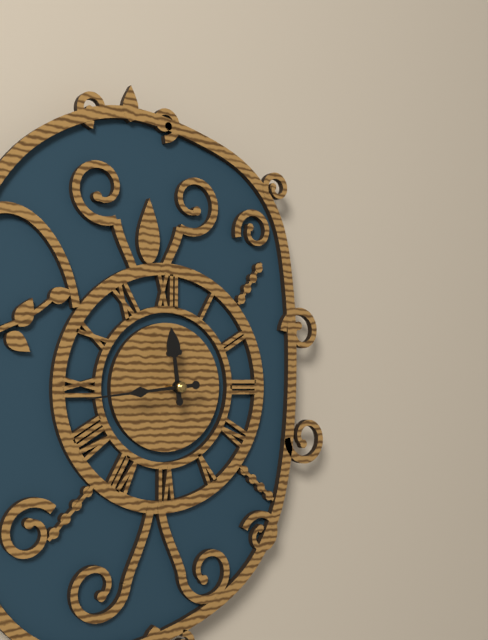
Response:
h=11 m=44
